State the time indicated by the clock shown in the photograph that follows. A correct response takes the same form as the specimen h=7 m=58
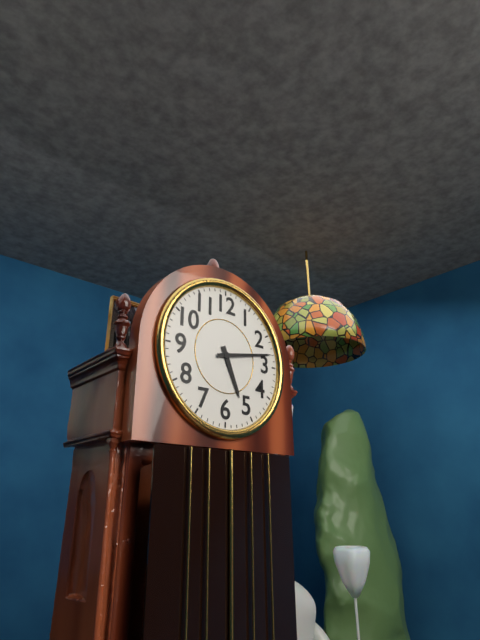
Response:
h=5 m=13
